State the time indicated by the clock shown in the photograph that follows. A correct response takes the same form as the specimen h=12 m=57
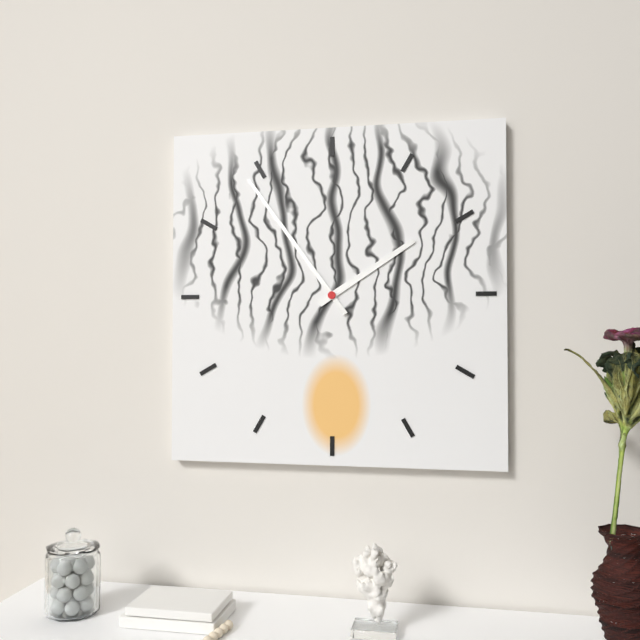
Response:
h=1 m=54
